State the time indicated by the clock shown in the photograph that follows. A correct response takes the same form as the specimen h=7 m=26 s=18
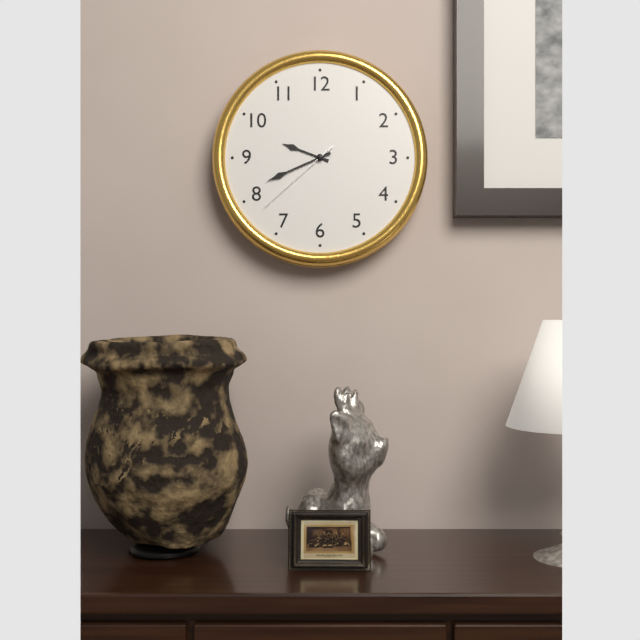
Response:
h=9 m=41 s=38
